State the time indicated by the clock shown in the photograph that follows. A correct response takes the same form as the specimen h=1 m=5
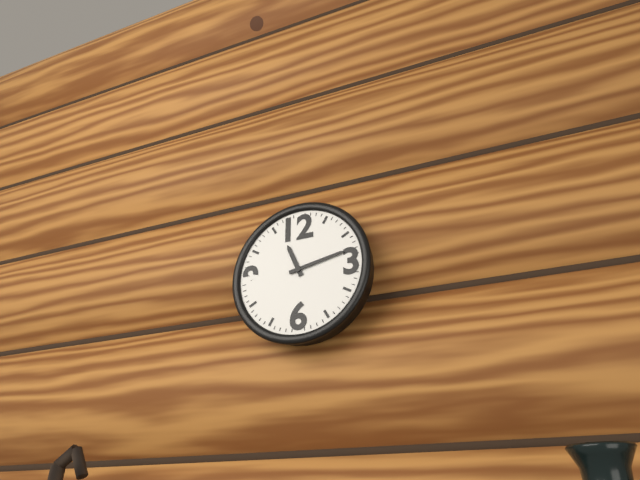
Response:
h=11 m=13
